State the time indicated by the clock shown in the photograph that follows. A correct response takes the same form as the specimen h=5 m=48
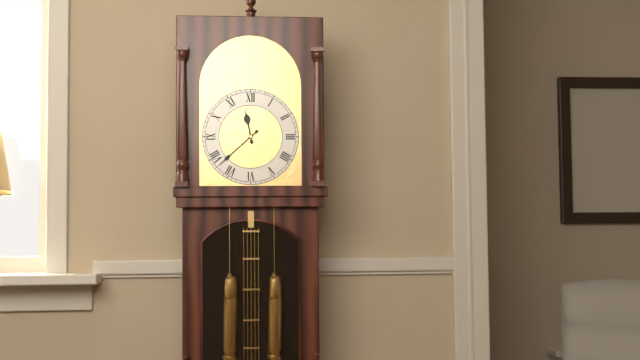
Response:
h=11 m=38
